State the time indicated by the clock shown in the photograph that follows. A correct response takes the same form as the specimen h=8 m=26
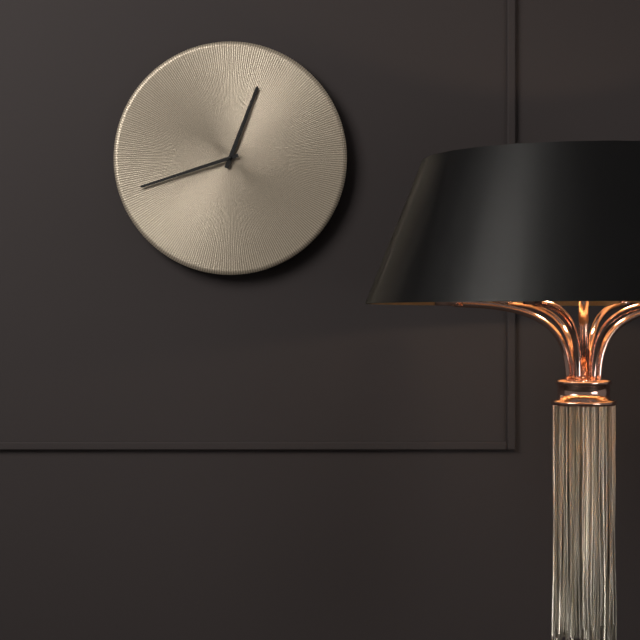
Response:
h=12 m=42
